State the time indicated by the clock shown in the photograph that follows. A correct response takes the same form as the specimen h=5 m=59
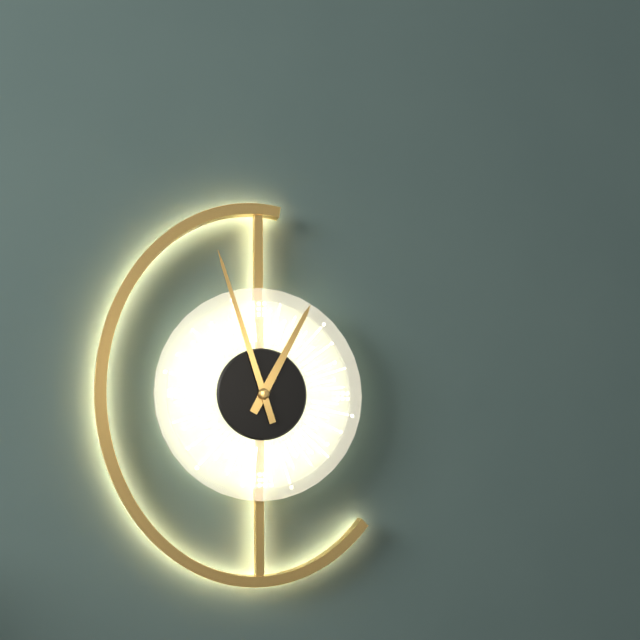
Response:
h=12 m=57
